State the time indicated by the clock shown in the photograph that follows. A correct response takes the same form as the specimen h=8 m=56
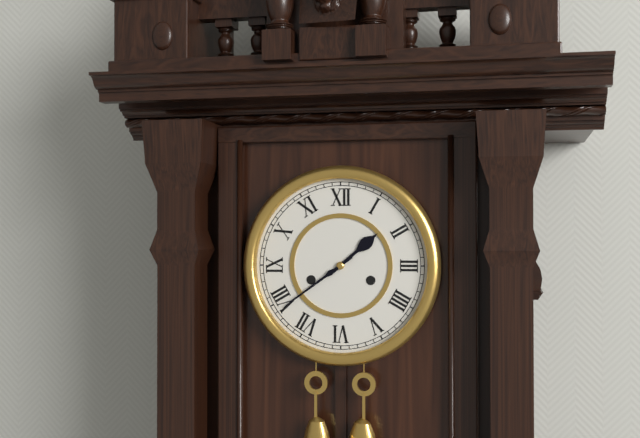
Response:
h=1 m=39
